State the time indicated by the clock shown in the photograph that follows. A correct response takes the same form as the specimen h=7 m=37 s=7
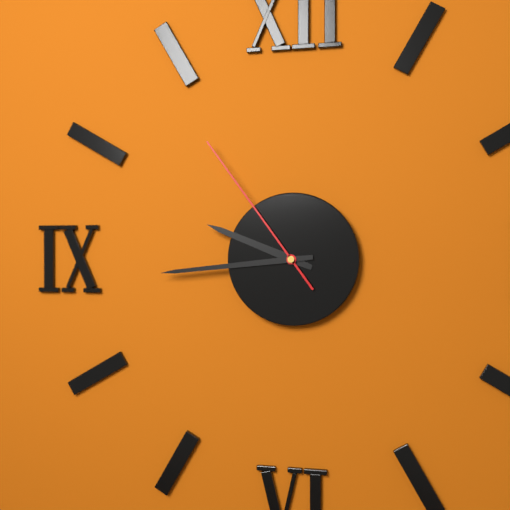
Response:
h=9 m=44 s=54
